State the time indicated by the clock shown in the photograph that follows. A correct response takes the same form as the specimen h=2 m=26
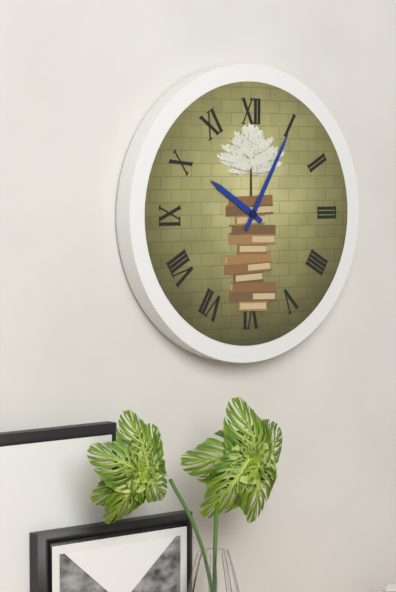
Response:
h=10 m=5
